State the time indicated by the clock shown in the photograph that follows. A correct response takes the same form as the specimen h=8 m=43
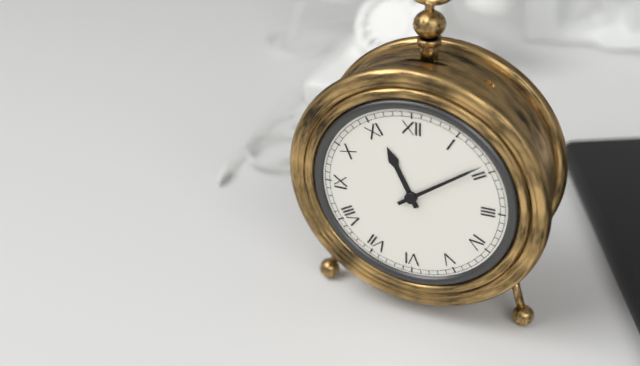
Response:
h=11 m=9
